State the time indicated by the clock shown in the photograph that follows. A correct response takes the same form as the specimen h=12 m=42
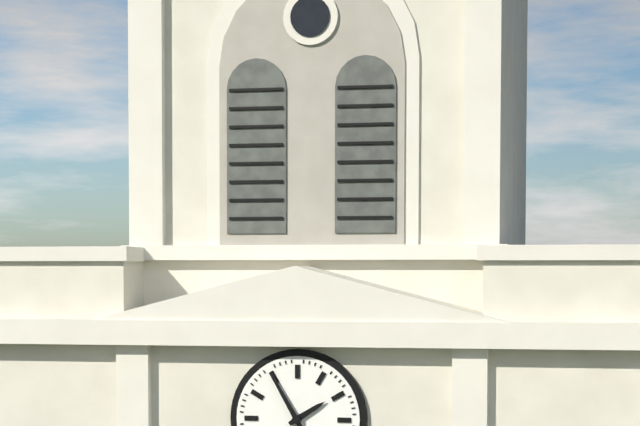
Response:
h=1 m=55
